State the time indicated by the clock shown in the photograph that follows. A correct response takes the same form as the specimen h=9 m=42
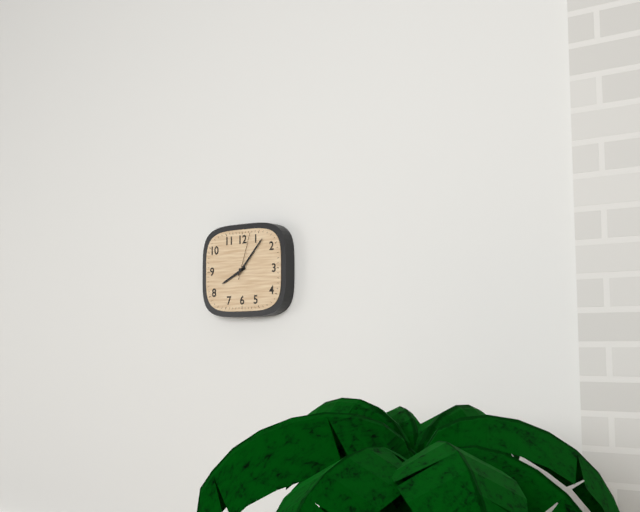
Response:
h=8 m=7
